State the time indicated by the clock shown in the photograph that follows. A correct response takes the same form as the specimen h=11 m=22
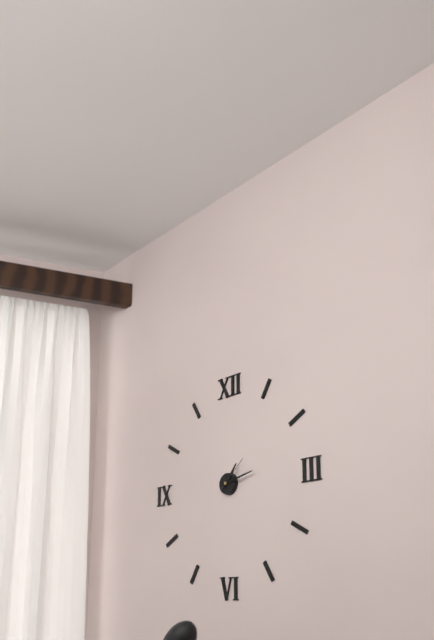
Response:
h=1 m=13
